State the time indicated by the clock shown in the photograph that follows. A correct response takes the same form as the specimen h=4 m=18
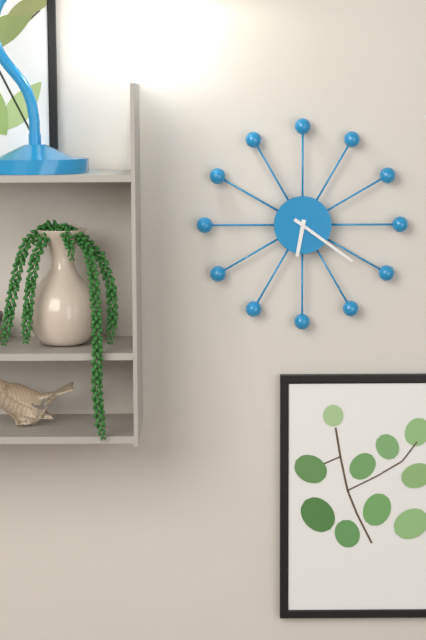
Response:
h=6 m=21
